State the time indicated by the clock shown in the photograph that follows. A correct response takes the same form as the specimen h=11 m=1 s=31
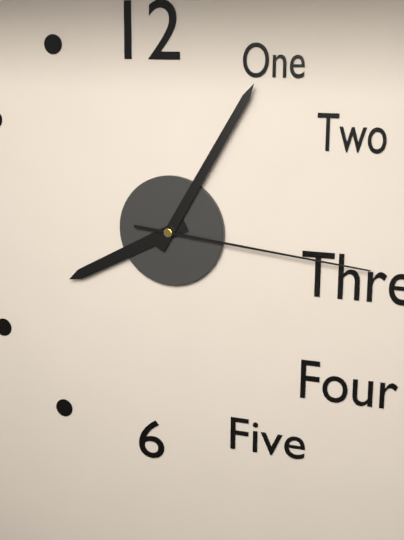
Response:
h=8 m=5 s=16
